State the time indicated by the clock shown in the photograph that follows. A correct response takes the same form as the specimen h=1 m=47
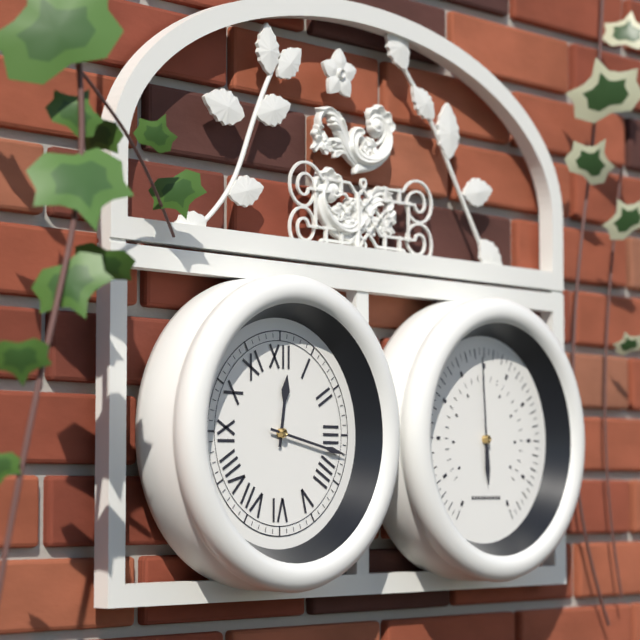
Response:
h=12 m=17
